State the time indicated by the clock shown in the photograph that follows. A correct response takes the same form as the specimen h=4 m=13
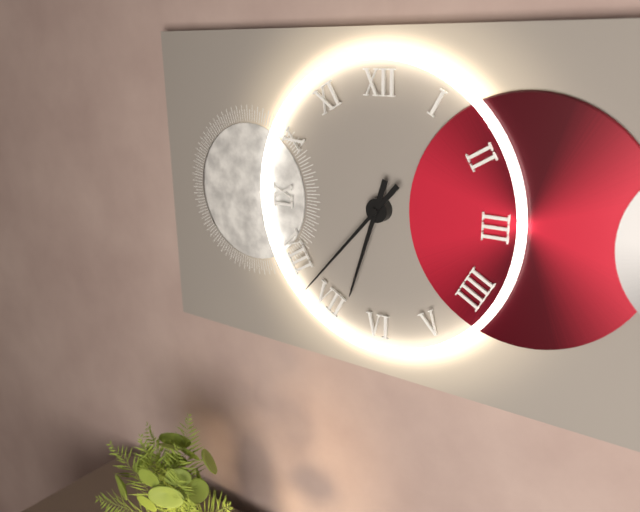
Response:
h=6 m=37
